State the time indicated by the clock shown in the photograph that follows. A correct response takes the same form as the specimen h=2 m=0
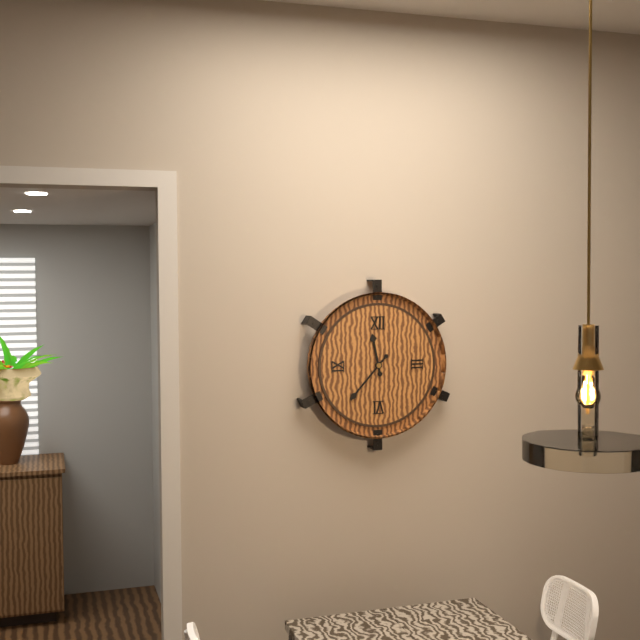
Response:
h=11 m=37
